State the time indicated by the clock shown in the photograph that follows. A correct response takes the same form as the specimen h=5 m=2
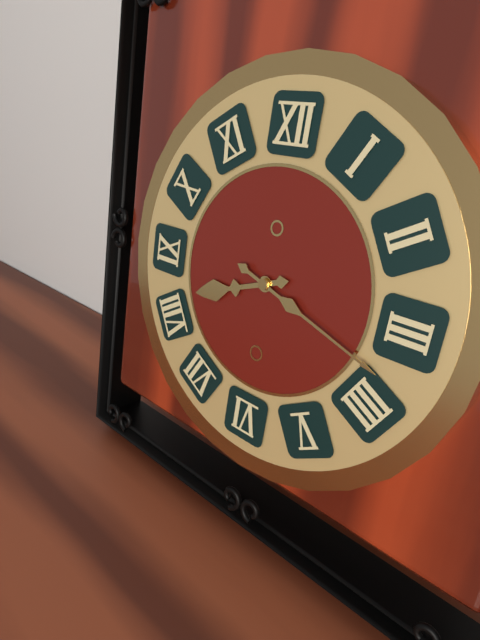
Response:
h=8 m=18
